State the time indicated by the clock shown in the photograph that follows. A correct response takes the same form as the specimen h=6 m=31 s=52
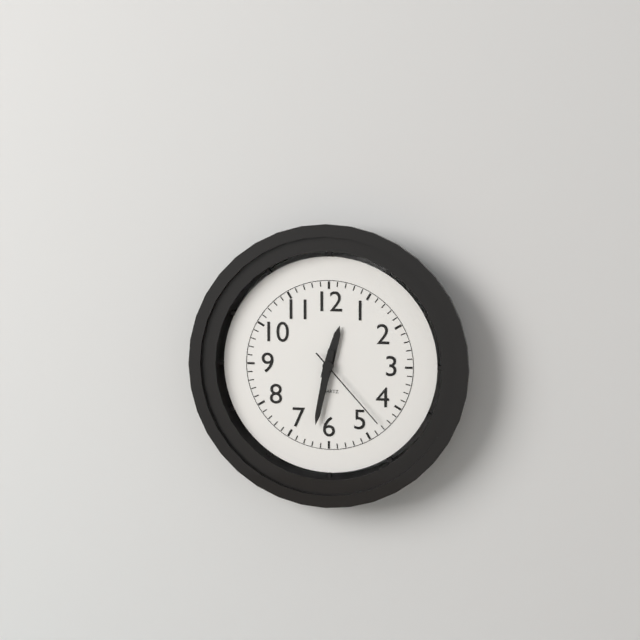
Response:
h=12 m=32 s=23
